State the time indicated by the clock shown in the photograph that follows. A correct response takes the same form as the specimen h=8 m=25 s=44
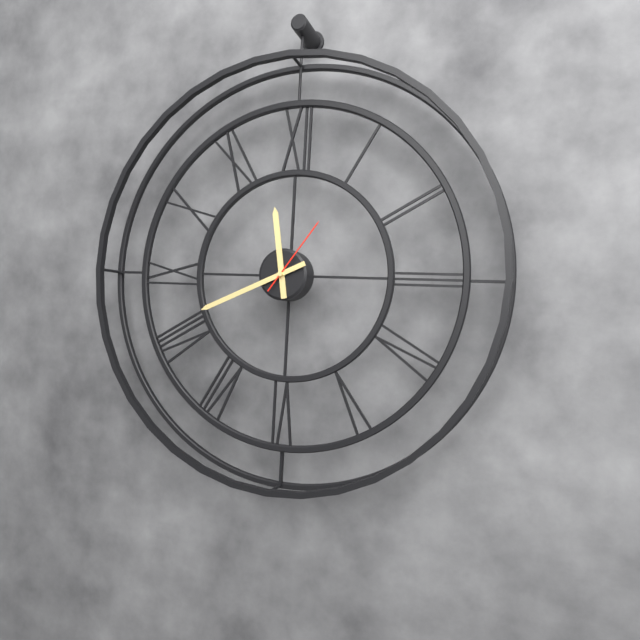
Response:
h=11 m=41 s=6
